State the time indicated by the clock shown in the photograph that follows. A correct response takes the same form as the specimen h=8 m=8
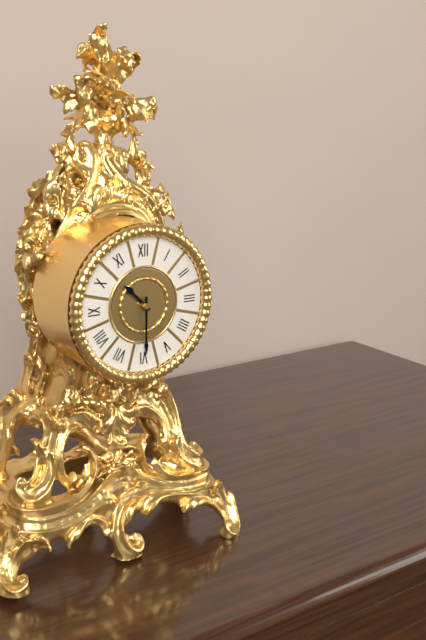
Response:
h=10 m=30
